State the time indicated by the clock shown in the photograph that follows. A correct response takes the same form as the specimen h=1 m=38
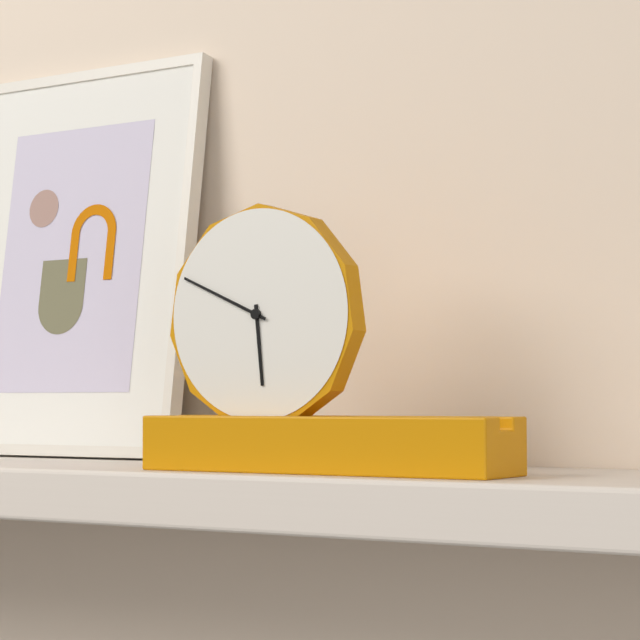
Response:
h=5 m=49
